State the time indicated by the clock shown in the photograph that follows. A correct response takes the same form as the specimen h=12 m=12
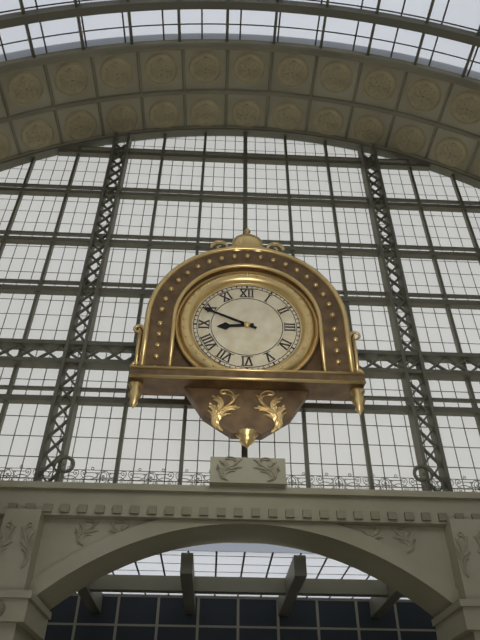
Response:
h=8 m=49
